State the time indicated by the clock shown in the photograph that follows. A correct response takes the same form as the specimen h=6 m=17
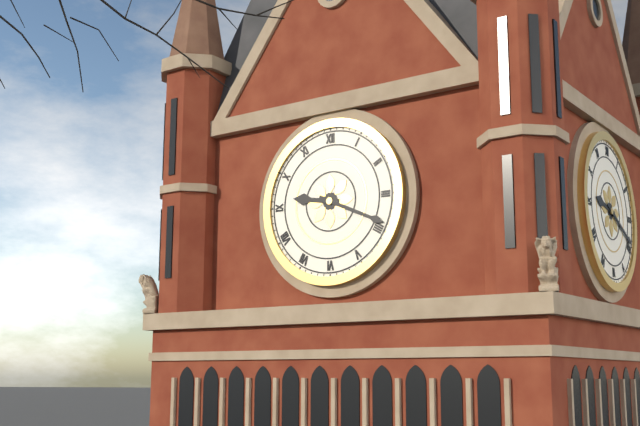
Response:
h=9 m=19
